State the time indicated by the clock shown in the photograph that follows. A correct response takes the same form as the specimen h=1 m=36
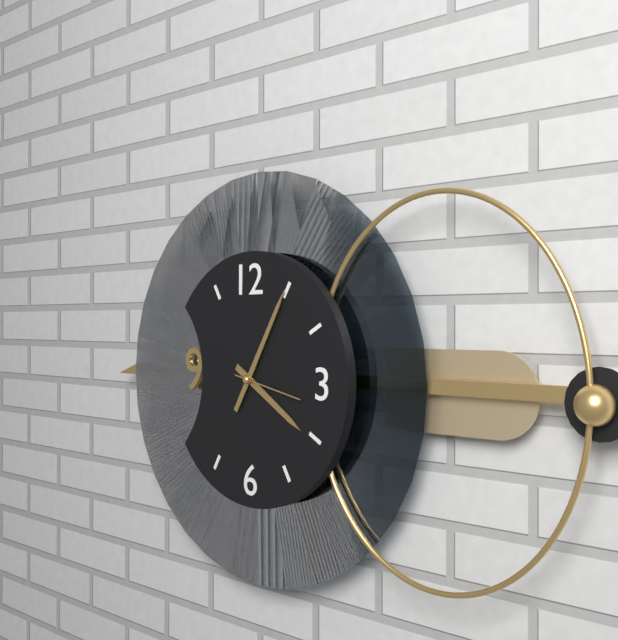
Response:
h=4 m=5
